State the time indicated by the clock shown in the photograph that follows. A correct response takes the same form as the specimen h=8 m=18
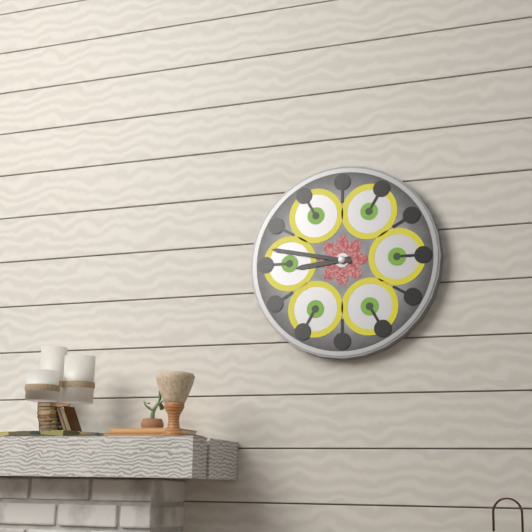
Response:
h=8 m=47
